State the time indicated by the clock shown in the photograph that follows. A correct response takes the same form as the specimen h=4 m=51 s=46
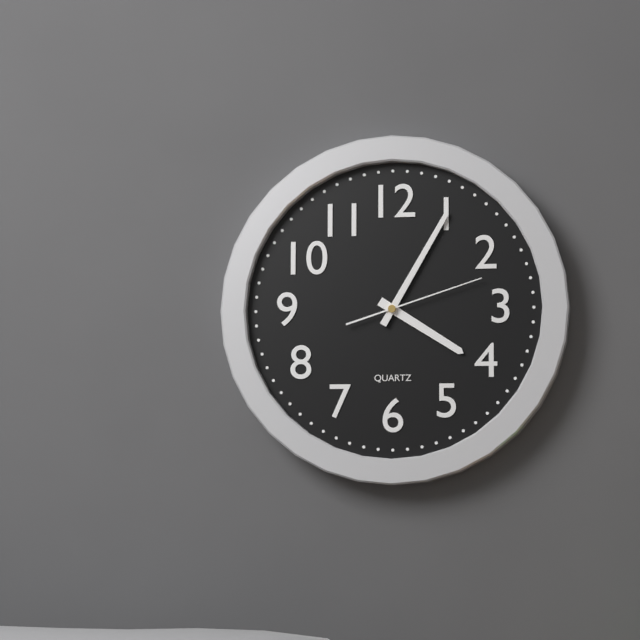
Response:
h=4 m=5 s=12
